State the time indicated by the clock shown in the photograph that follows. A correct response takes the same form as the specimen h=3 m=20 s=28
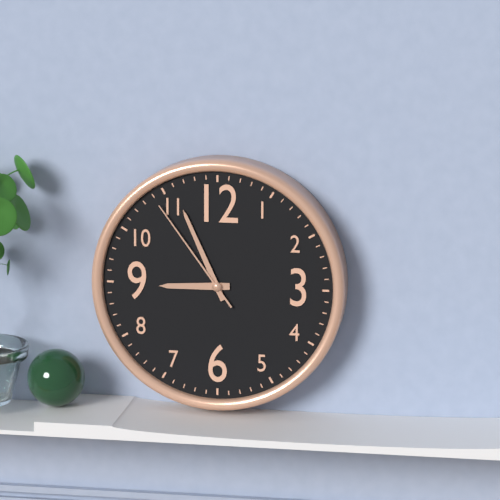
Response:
h=8 m=56 s=54
